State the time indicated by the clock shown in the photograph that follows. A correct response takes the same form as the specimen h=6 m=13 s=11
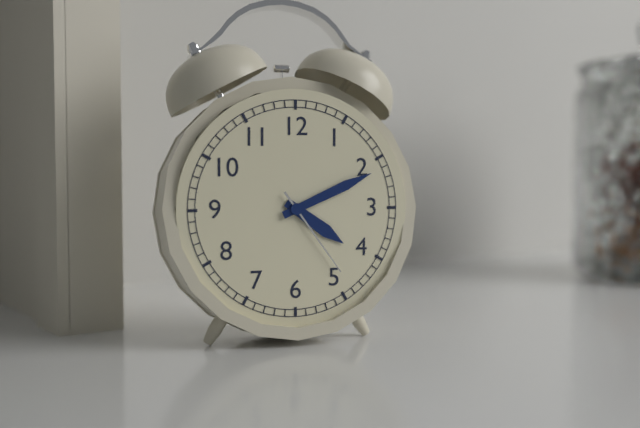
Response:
h=4 m=11 s=24
